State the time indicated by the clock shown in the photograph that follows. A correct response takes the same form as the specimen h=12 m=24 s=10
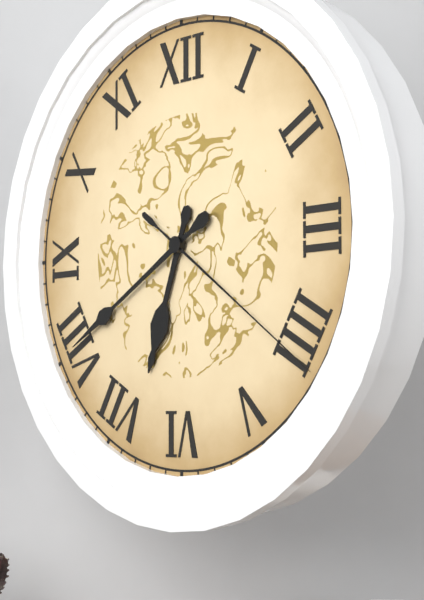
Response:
h=6 m=40 s=21
